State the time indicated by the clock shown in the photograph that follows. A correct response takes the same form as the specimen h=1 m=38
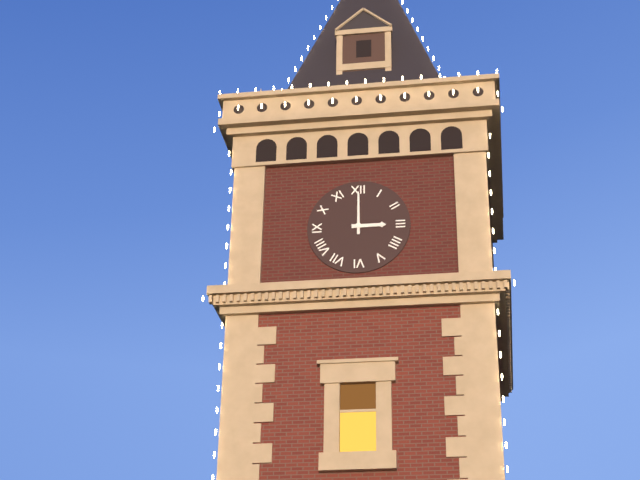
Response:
h=3 m=0
